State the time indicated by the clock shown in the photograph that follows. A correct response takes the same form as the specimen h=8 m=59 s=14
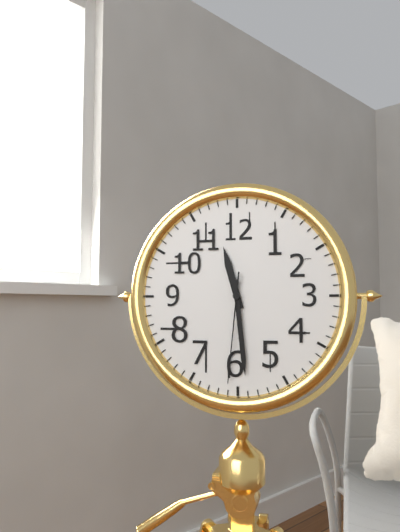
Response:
h=11 m=29 s=31
